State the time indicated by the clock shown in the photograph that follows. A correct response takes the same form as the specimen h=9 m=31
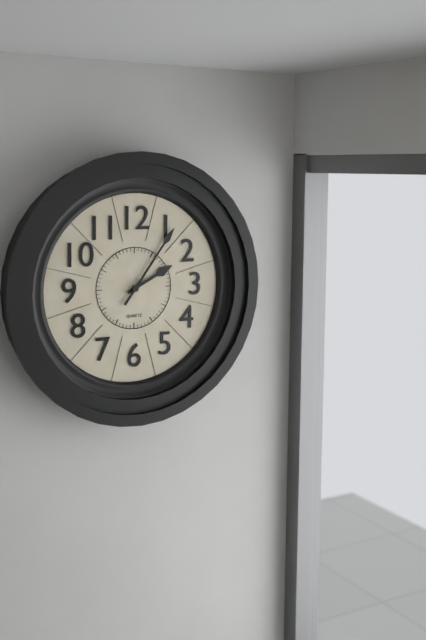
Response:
h=2 m=6
